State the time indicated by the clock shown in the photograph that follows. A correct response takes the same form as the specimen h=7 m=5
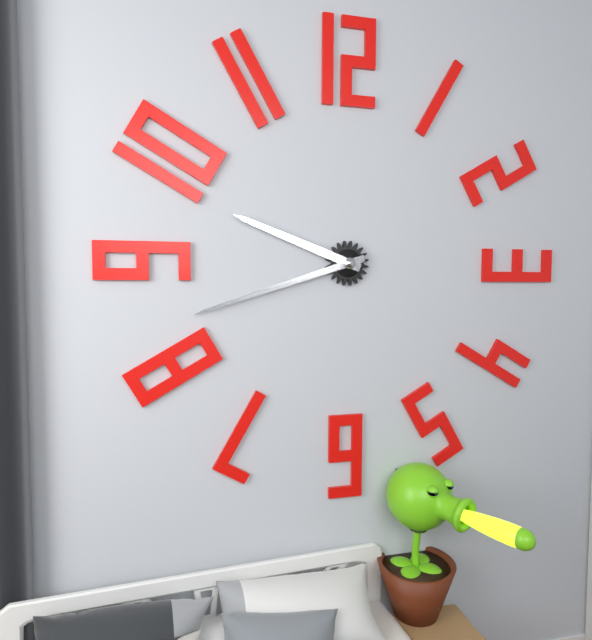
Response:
h=9 m=42
